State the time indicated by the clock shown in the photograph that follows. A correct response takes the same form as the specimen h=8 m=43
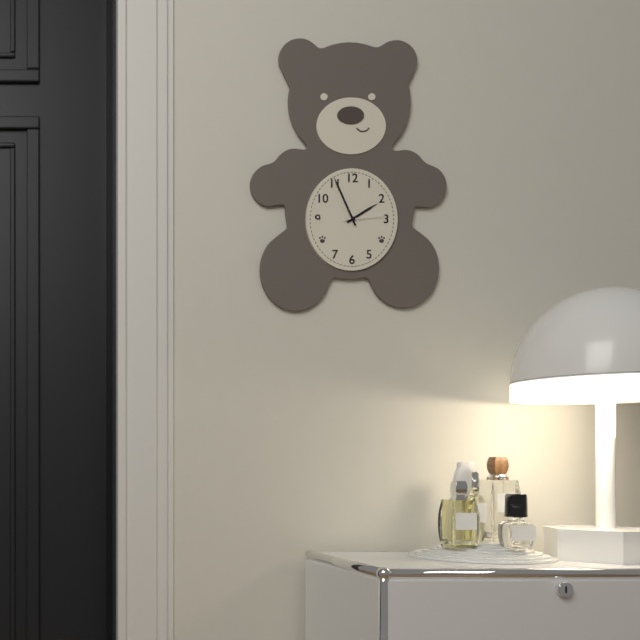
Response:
h=1 m=56
